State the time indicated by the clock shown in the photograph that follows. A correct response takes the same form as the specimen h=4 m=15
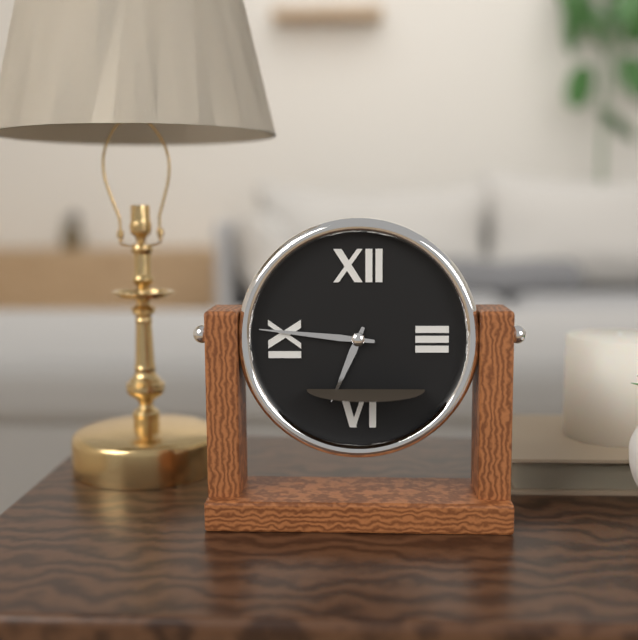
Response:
h=6 m=46
